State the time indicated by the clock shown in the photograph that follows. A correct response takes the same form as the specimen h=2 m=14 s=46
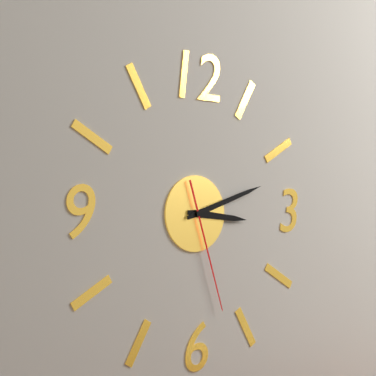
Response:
h=3 m=12 s=27
